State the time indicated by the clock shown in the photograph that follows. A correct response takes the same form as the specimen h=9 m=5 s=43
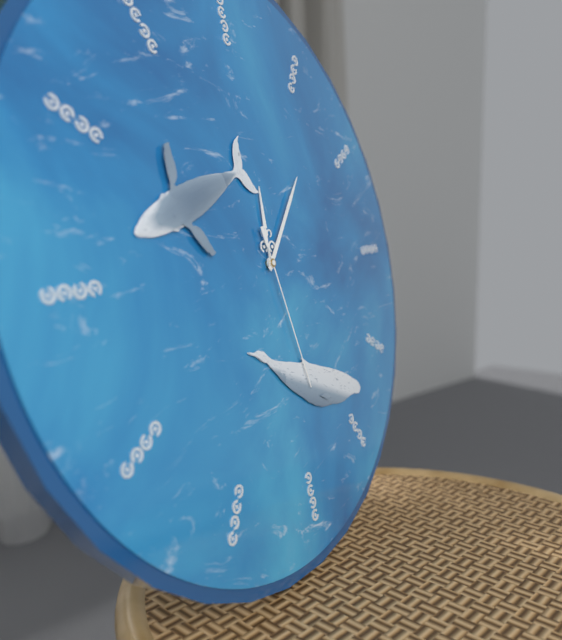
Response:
h=12 m=7 s=28
